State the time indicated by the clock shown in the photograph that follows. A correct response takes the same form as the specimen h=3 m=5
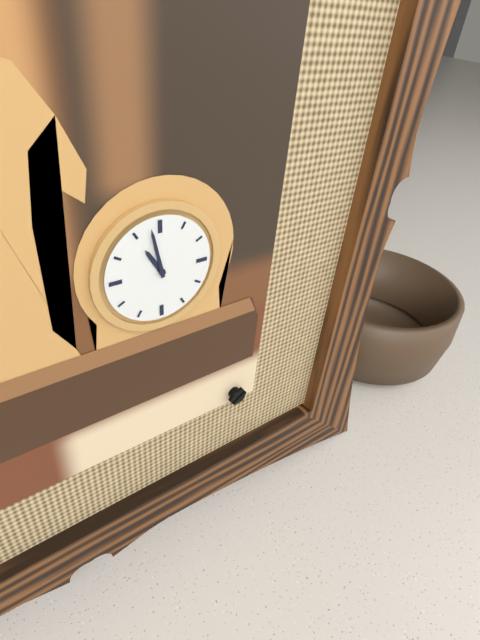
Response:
h=10 m=58
